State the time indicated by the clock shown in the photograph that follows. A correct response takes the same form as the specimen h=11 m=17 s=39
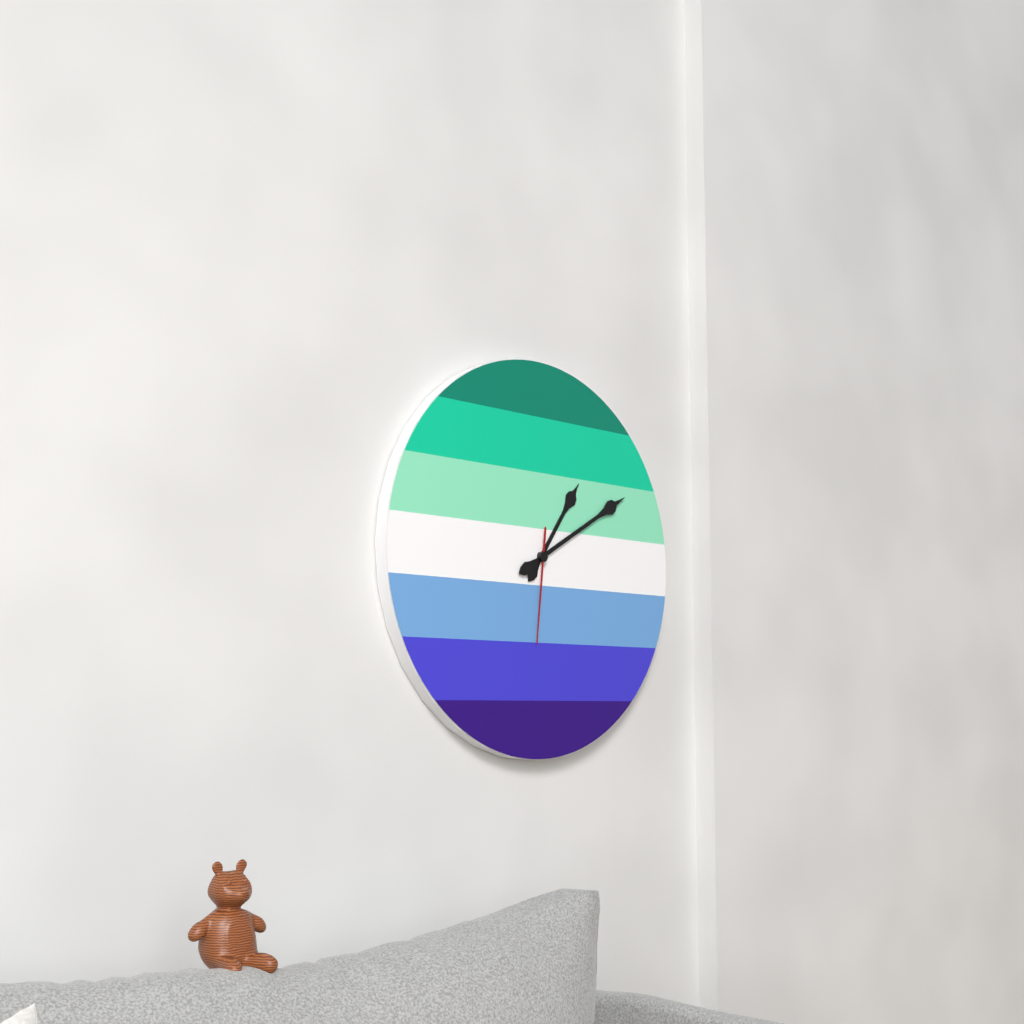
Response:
h=1 m=10 s=31
